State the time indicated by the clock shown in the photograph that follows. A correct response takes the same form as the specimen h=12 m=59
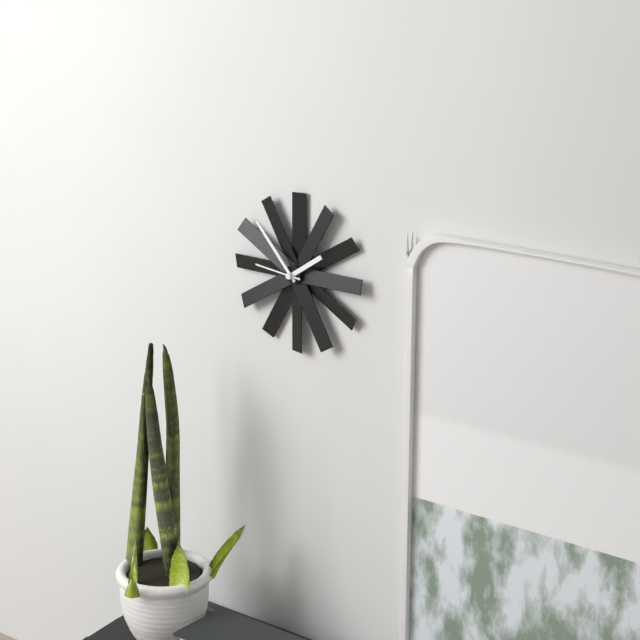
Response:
h=1 m=53
